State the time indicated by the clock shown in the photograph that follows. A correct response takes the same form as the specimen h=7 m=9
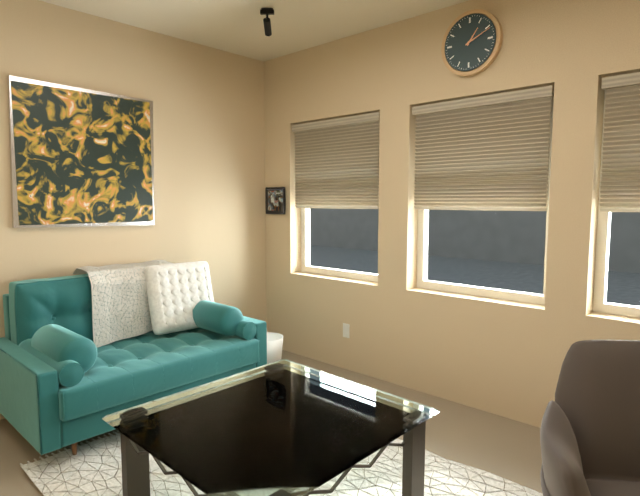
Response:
h=1 m=11
